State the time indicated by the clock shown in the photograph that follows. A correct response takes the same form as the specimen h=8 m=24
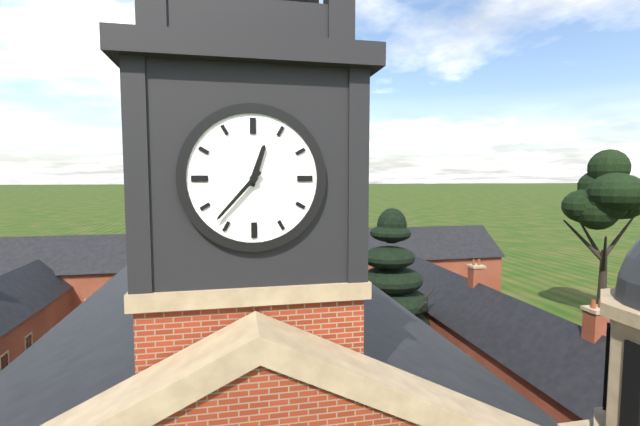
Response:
h=12 m=37
